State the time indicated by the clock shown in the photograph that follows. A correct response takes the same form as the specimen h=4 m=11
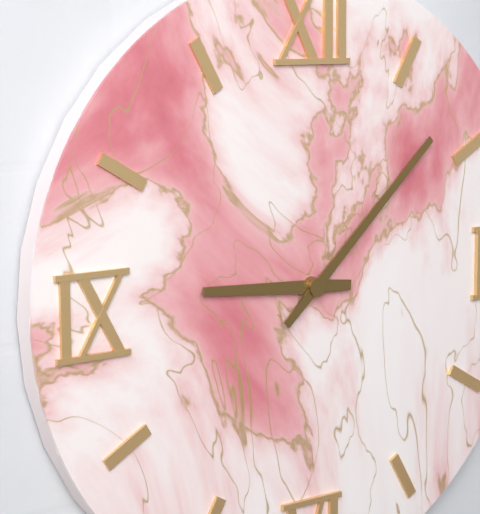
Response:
h=9 m=8
